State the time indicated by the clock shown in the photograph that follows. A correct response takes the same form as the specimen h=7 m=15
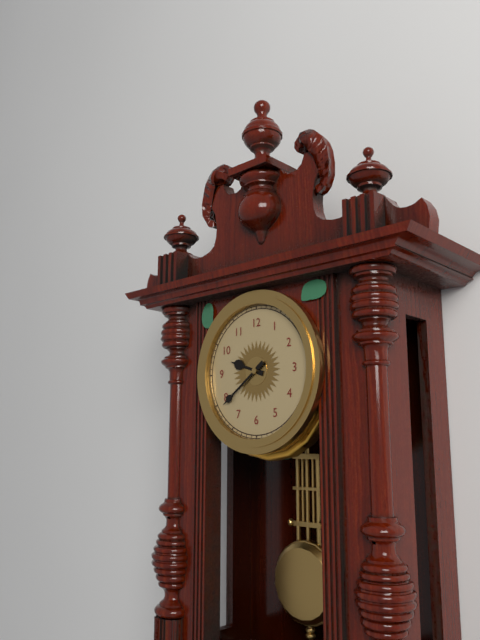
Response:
h=9 m=39
